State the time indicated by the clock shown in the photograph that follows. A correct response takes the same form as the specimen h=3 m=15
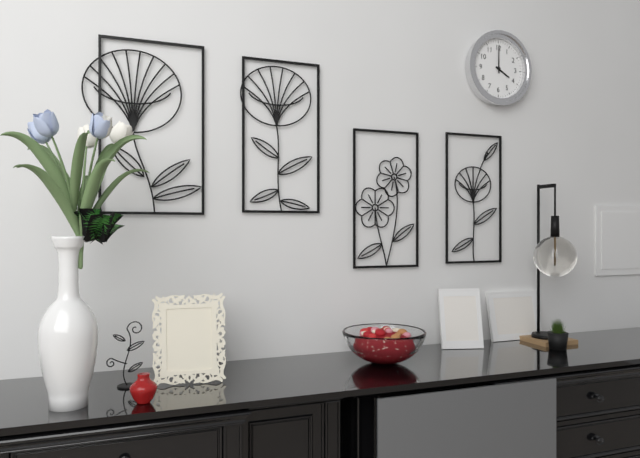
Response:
h=4 m=0
